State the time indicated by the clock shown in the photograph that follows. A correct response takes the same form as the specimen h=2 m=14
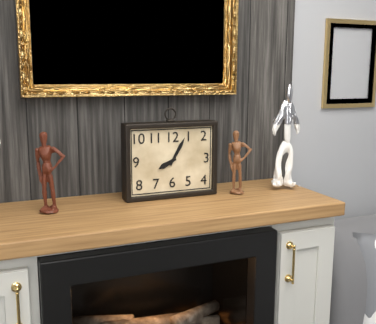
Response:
h=8 m=5
